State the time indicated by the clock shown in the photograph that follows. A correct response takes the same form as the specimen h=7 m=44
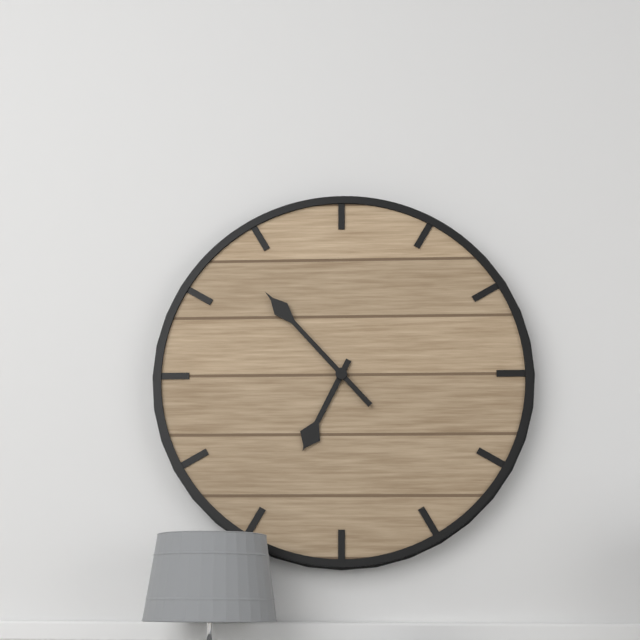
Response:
h=6 m=53
